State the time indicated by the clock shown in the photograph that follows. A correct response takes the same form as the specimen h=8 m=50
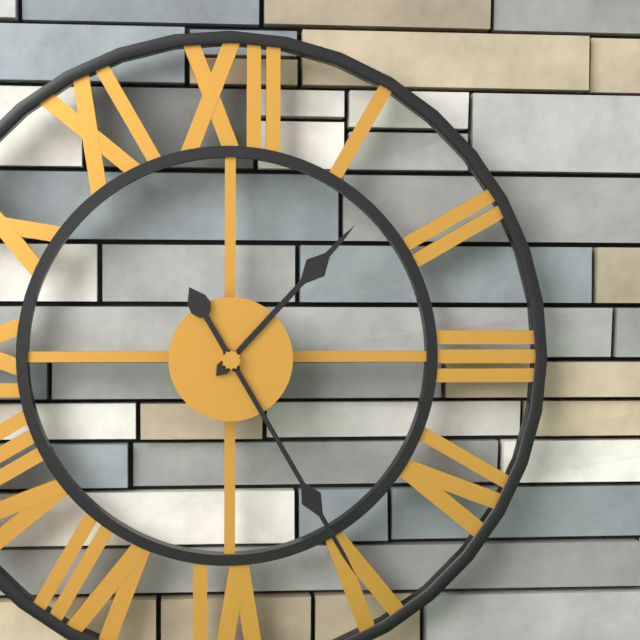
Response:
h=1 m=25
